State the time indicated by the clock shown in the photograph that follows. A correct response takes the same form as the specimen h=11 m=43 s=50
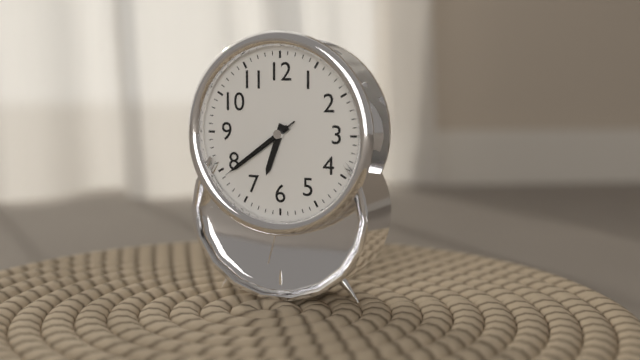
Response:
h=6 m=39 s=39
